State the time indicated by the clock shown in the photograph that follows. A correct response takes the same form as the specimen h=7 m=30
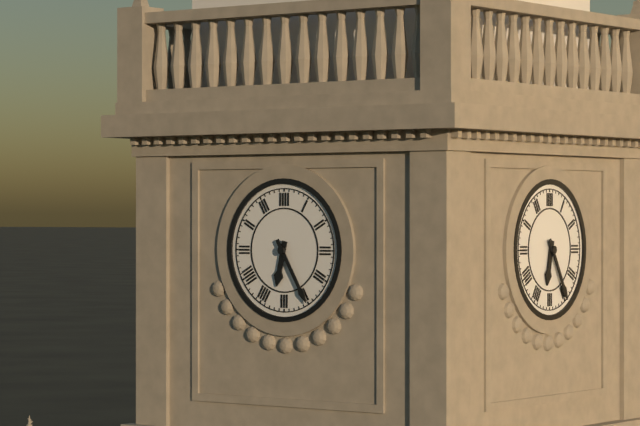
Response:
h=6 m=25
